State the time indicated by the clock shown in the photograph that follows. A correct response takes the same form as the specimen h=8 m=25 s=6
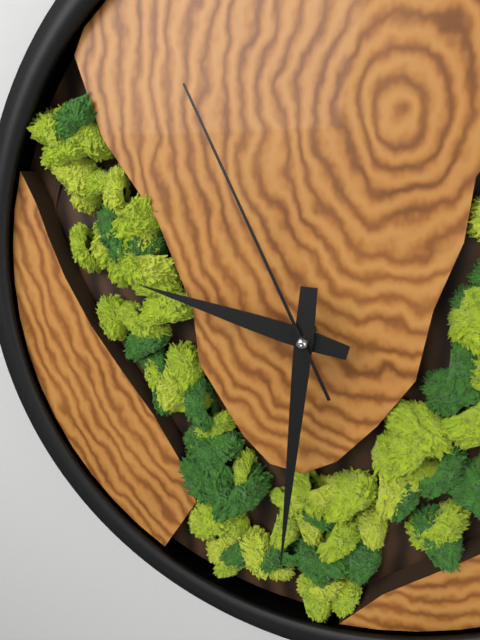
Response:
h=9 m=31 s=56
